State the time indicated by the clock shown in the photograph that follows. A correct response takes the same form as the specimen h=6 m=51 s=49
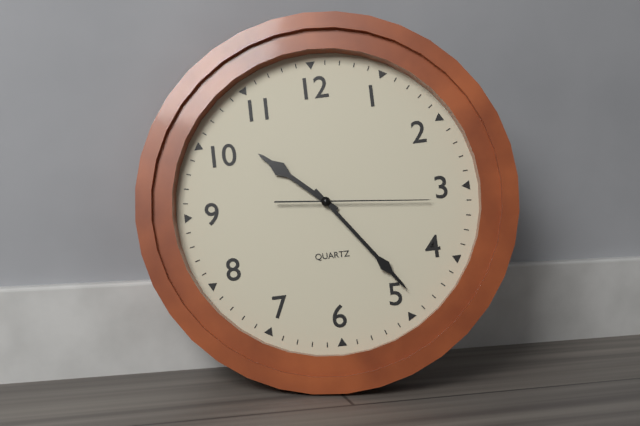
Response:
h=10 m=24 s=16
